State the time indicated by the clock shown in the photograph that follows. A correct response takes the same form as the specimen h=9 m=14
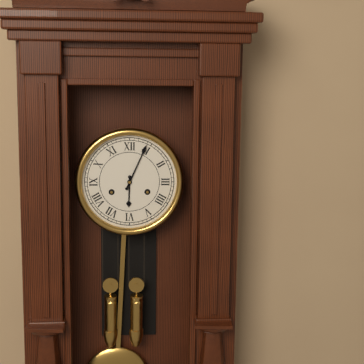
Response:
h=6 m=4
